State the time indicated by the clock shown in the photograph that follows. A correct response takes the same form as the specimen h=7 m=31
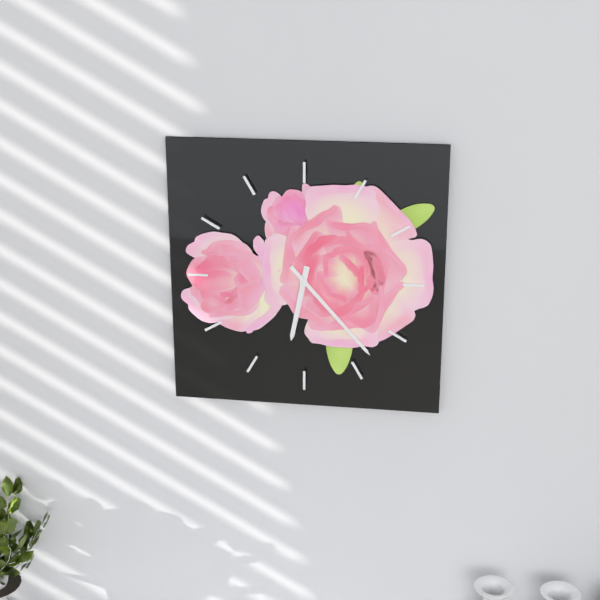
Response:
h=6 m=23
